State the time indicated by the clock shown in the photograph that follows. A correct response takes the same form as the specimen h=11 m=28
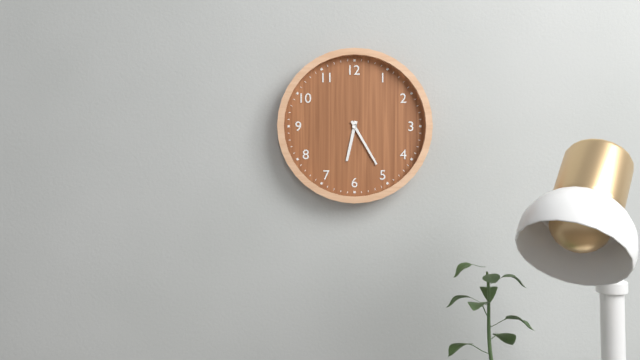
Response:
h=6 m=25
